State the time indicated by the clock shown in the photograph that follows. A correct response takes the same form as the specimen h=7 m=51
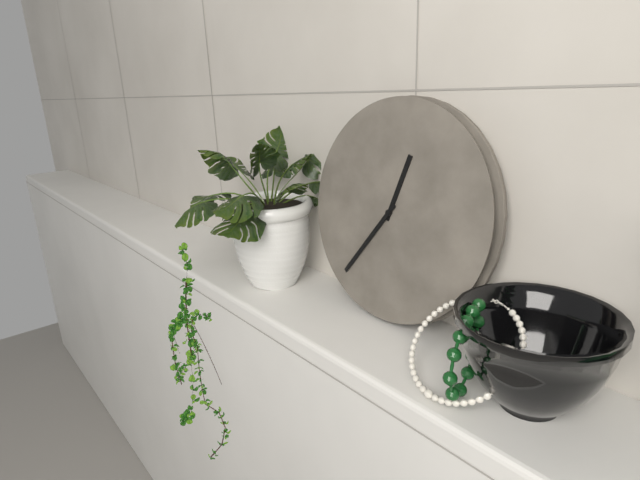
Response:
h=12 m=36
